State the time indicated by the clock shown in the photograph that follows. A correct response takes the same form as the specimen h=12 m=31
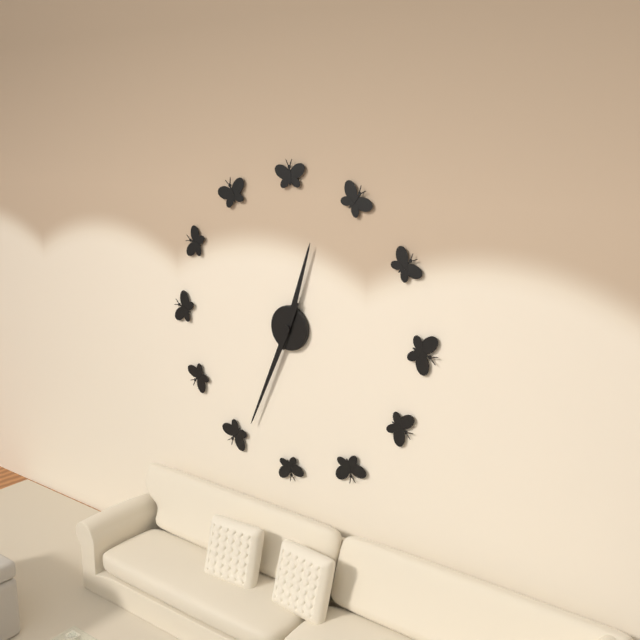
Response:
h=12 m=34
